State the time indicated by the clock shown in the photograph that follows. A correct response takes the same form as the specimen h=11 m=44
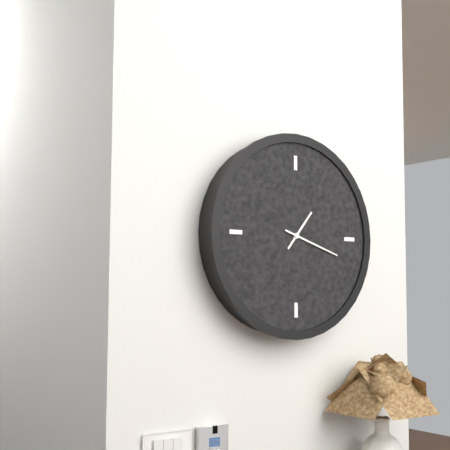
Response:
h=1 m=18
